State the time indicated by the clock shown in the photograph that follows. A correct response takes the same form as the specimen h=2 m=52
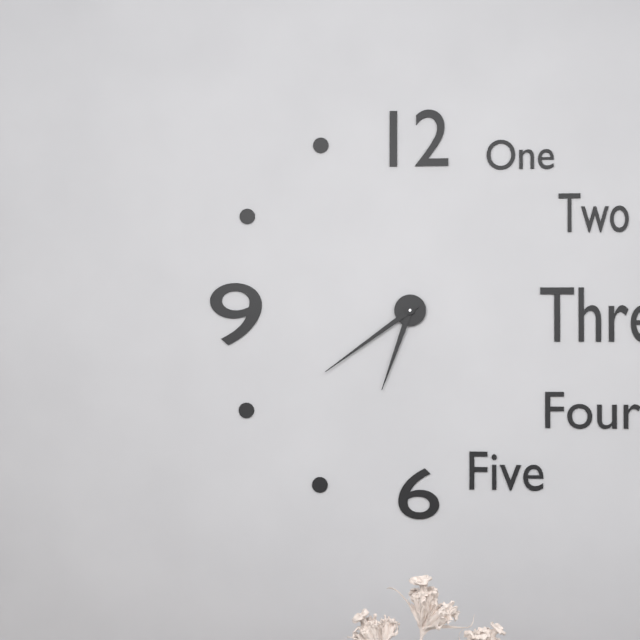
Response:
h=6 m=39
